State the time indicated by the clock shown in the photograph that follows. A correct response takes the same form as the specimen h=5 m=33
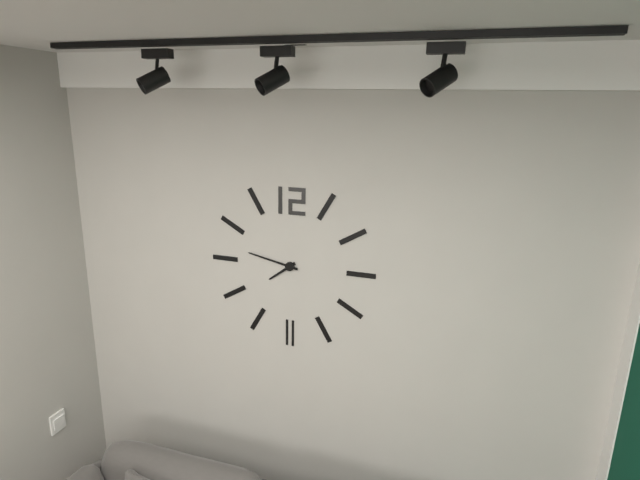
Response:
h=7 m=47
